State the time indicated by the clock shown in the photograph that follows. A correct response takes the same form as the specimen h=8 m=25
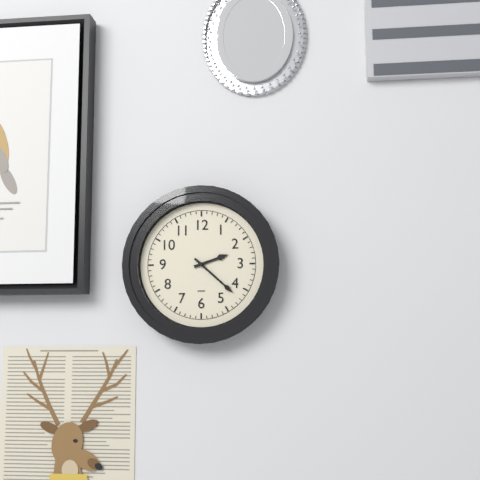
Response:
h=2 m=22
